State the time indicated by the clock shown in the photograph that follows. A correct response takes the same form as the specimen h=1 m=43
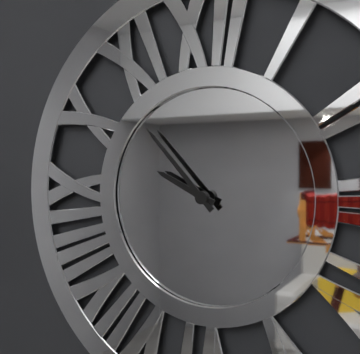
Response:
h=9 m=53
